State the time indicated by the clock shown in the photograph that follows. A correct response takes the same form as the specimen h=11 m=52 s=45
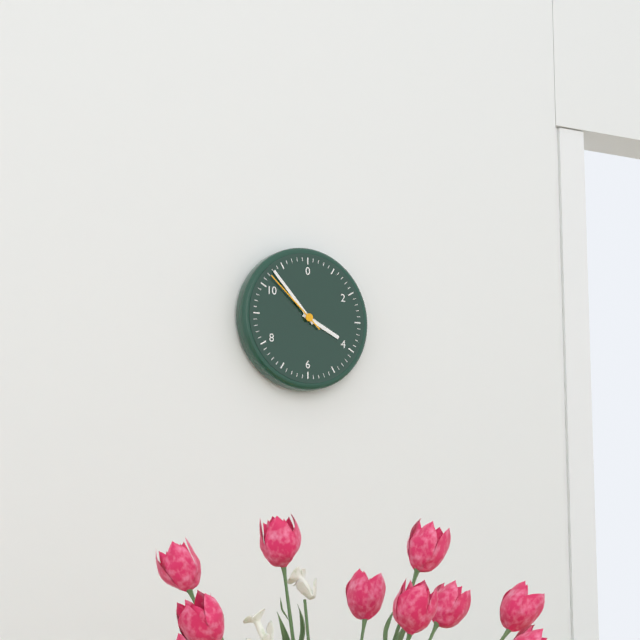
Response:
h=3 m=53 s=52
